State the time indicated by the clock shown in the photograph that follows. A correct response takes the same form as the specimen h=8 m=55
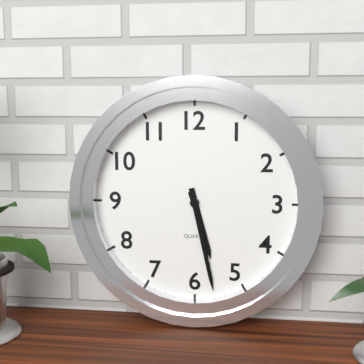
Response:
h=5 m=28
